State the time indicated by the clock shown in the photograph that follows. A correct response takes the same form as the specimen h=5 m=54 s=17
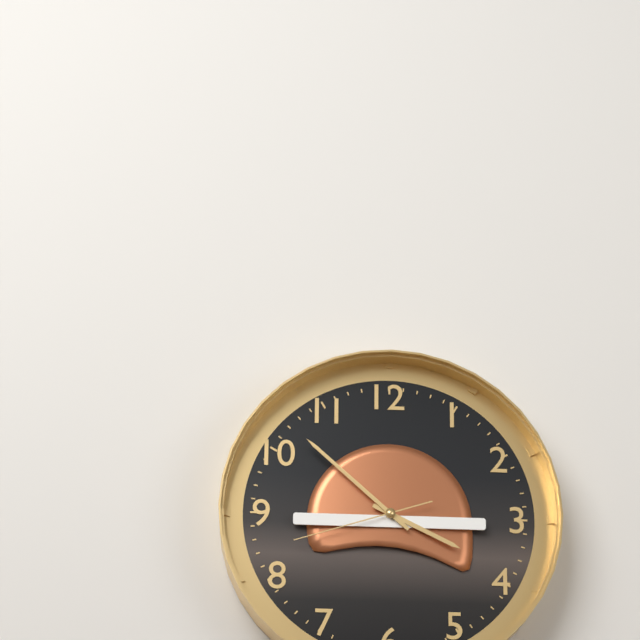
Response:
h=3 m=52 s=42
